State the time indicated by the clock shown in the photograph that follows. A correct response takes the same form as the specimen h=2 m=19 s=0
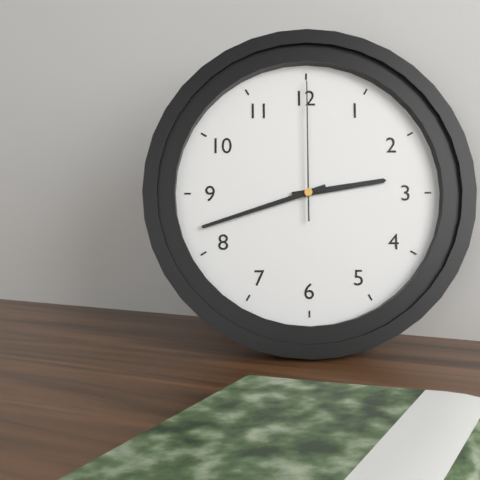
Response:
h=2 m=42 s=0
